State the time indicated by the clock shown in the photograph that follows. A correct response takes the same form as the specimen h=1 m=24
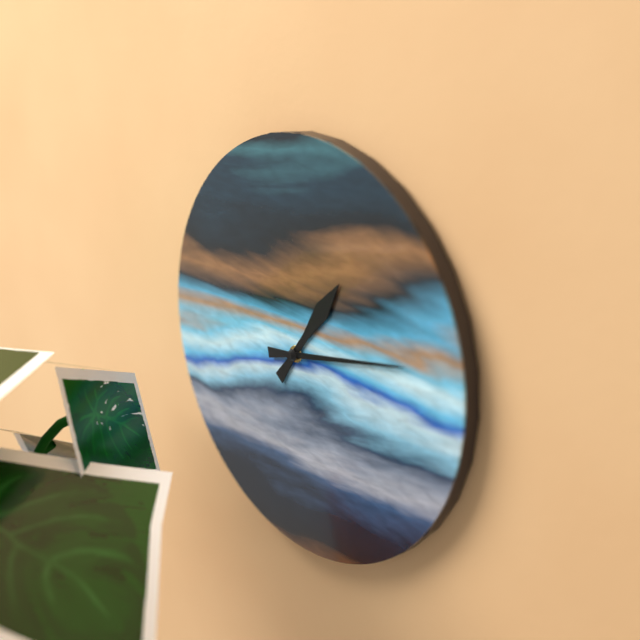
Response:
h=1 m=13
